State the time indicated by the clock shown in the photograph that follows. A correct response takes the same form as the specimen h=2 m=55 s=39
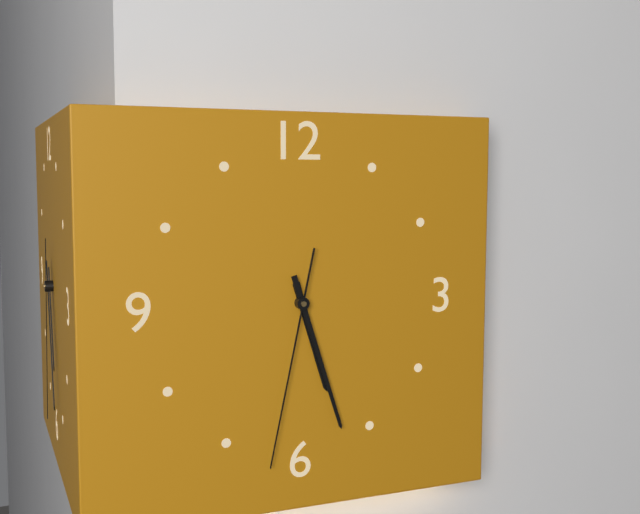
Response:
h=5 m=27 s=32
